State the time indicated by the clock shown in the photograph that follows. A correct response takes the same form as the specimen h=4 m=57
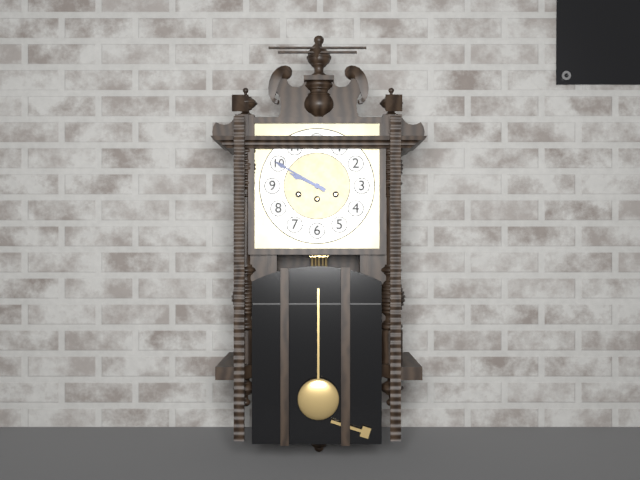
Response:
h=9 m=50
